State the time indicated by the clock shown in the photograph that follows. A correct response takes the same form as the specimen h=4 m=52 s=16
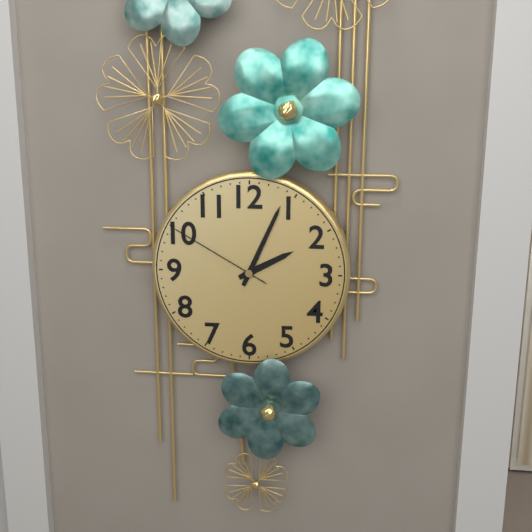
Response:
h=2 m=4 s=50
